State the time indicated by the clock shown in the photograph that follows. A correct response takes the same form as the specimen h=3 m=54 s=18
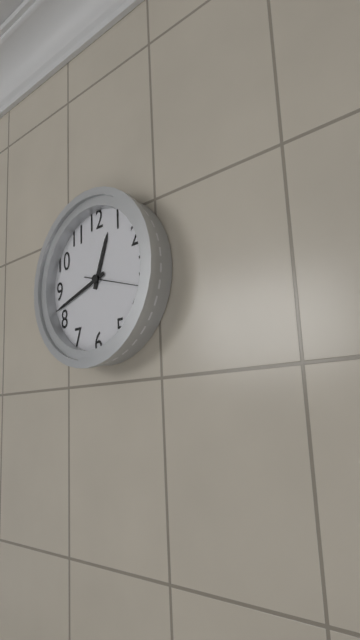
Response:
h=12 m=42 s=18
